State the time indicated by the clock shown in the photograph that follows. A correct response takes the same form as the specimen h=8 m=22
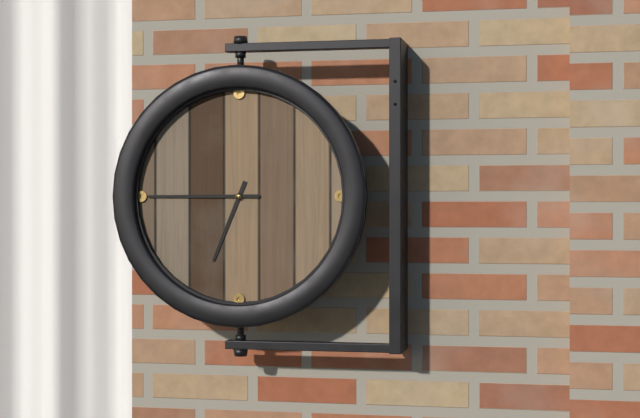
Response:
h=6 m=45
